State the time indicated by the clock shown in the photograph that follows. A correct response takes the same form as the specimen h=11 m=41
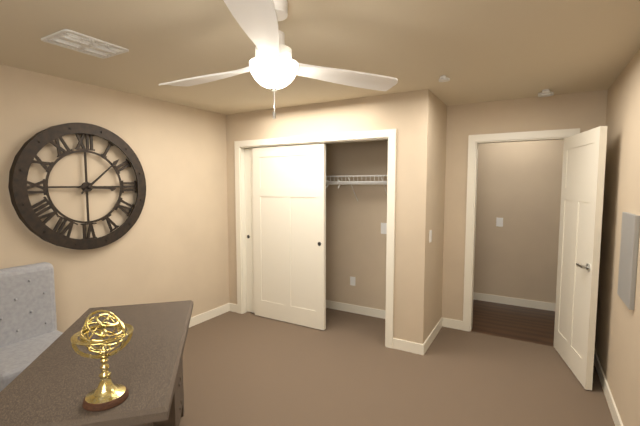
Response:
h=3 m=8
